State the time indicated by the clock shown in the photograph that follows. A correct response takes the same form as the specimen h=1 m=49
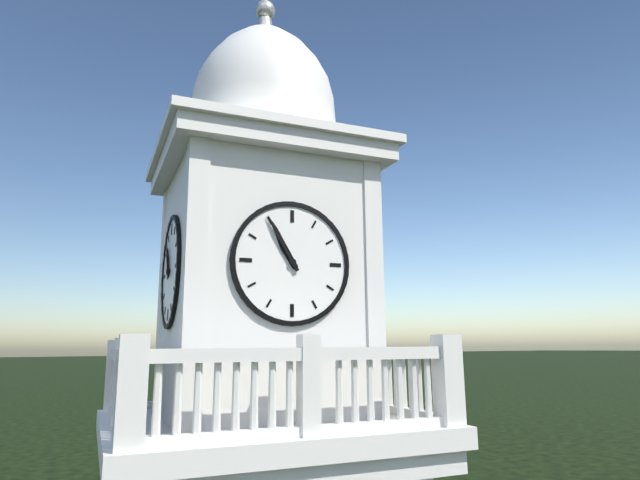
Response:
h=10 m=55
